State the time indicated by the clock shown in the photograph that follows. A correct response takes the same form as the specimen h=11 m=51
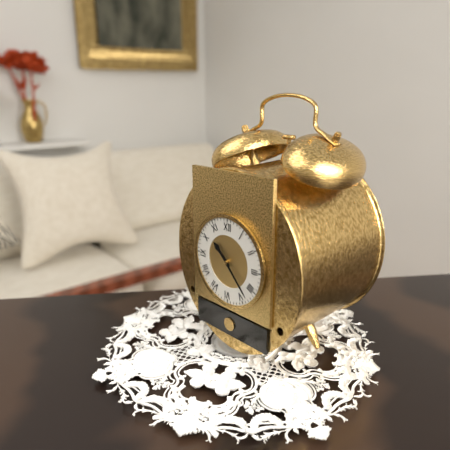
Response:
h=10 m=23
